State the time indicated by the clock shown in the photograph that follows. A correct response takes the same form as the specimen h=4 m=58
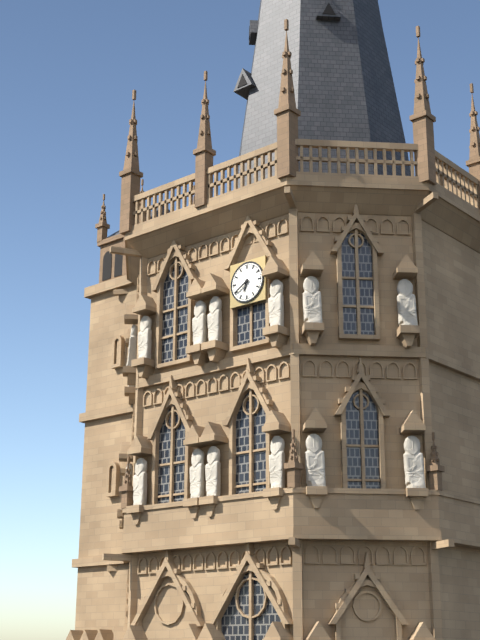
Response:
h=6 m=40
